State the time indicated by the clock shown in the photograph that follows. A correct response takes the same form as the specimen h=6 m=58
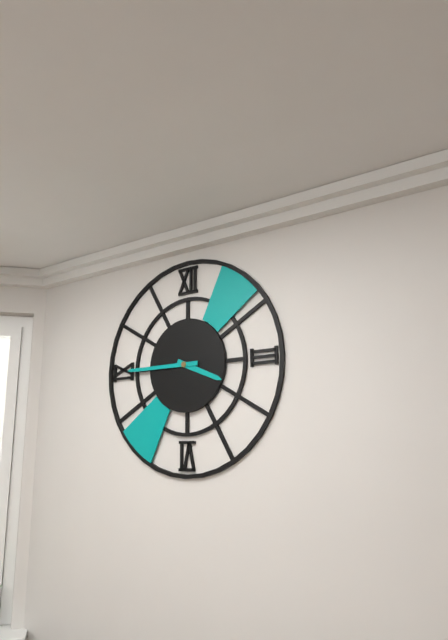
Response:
h=3 m=45
